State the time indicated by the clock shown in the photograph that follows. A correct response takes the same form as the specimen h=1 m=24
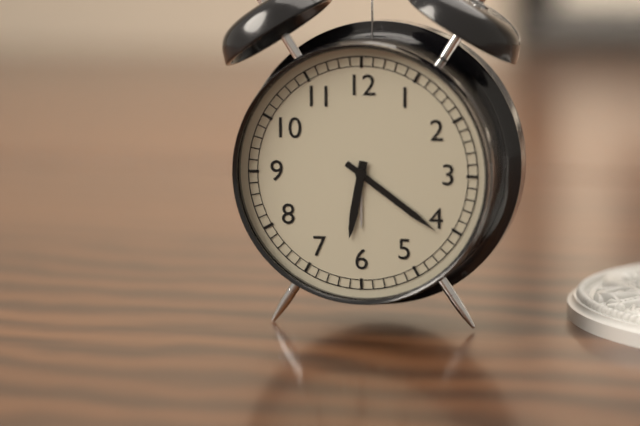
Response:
h=6 m=21
